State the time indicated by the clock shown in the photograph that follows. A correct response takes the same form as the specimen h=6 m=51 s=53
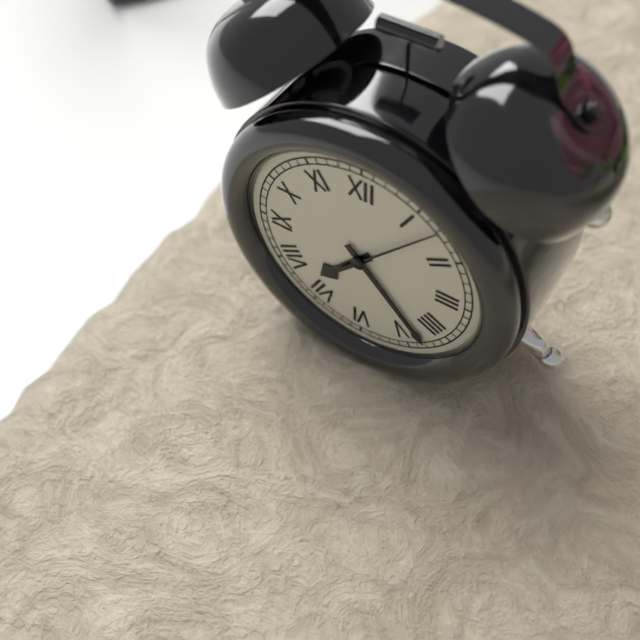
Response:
h=7 m=23 s=7
